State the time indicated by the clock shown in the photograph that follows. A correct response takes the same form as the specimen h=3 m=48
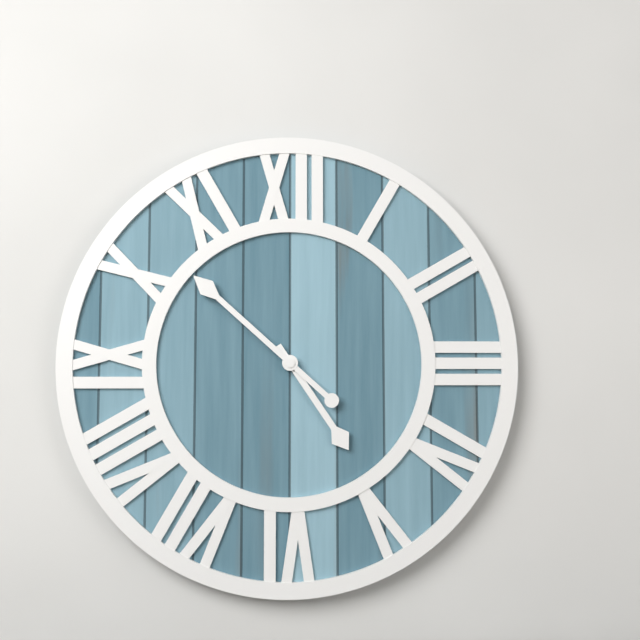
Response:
h=4 m=52
